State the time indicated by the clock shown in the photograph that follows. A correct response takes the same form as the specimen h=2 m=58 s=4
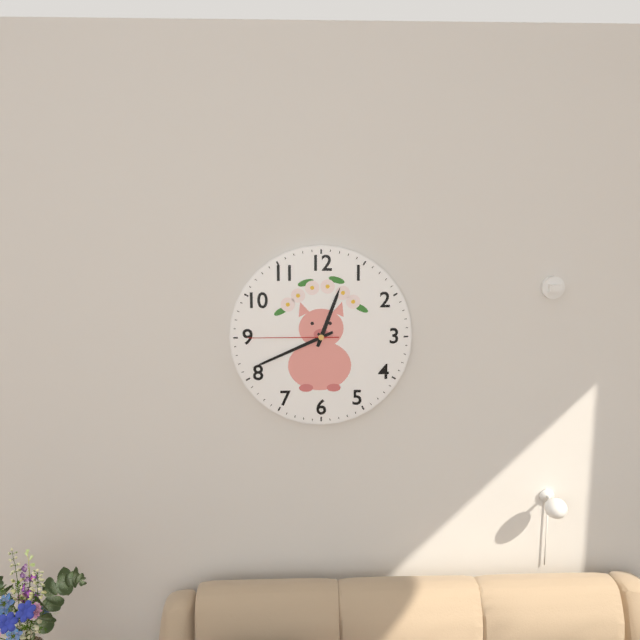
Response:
h=12 m=41 s=45
